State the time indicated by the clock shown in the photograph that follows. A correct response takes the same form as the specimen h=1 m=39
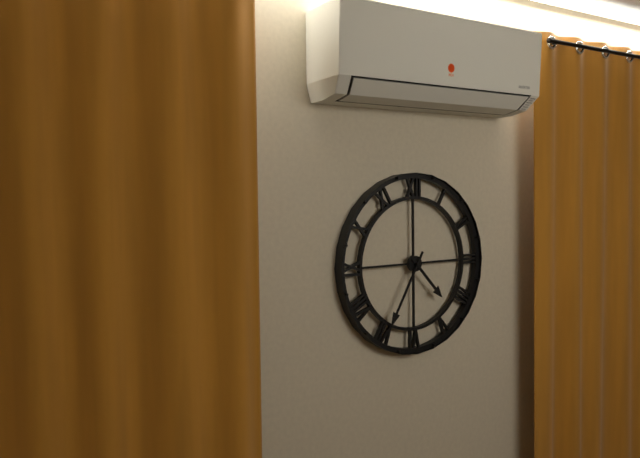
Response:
h=4 m=35
